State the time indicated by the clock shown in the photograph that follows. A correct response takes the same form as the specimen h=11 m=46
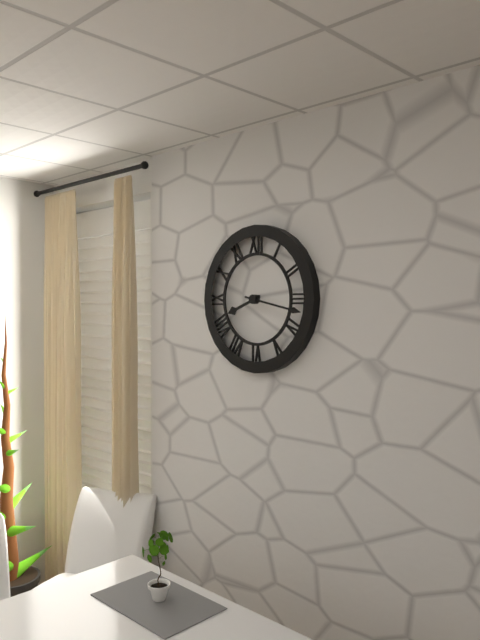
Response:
h=8 m=17
